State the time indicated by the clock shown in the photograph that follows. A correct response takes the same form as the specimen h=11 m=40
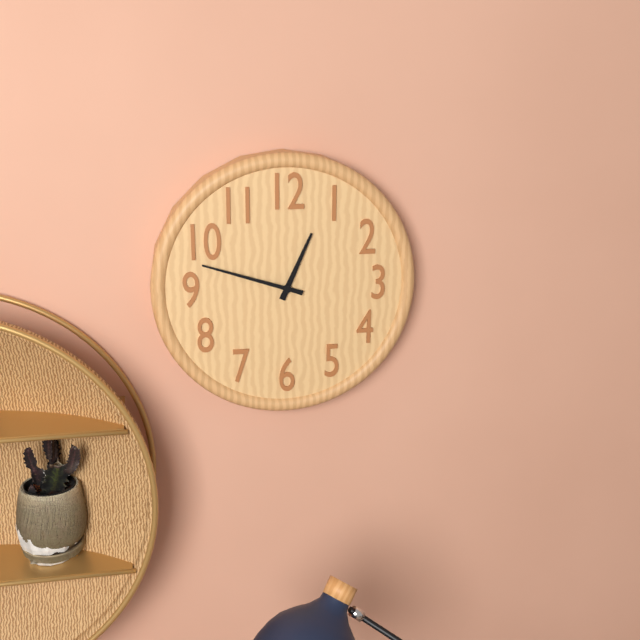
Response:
h=12 m=48
